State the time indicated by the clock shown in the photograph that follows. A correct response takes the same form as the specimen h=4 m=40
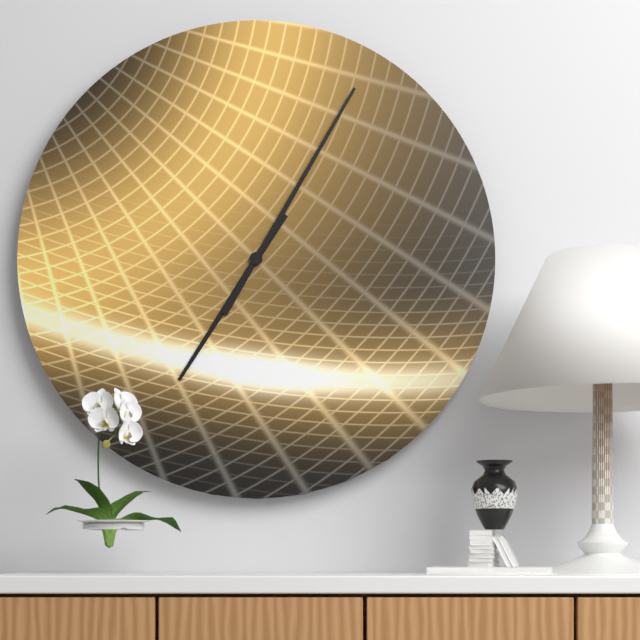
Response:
h=7 m=5
